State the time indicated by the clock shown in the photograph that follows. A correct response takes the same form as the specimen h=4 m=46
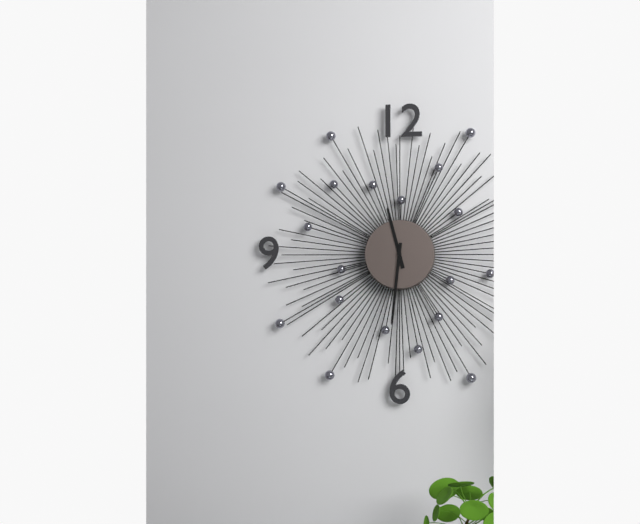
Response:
h=11 m=31
